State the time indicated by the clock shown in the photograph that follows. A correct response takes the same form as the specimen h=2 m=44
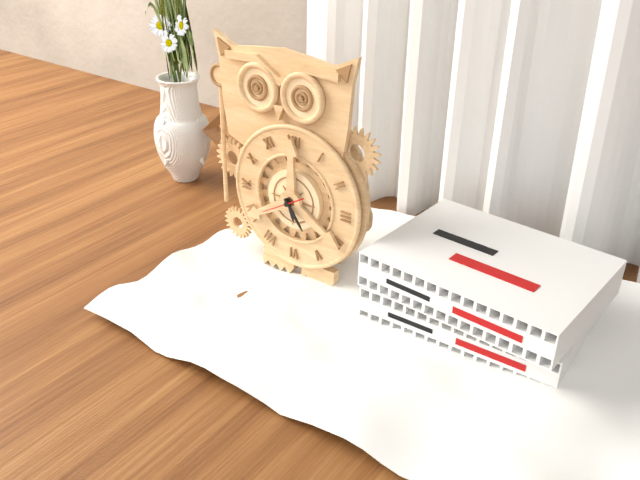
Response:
h=5 m=24
